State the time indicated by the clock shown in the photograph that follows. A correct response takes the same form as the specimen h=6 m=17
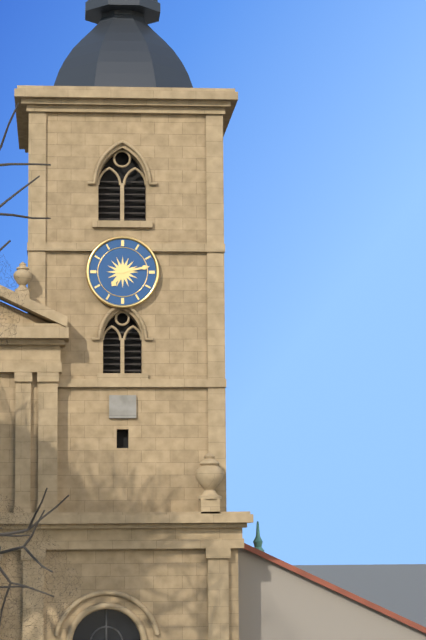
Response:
h=7 m=13
